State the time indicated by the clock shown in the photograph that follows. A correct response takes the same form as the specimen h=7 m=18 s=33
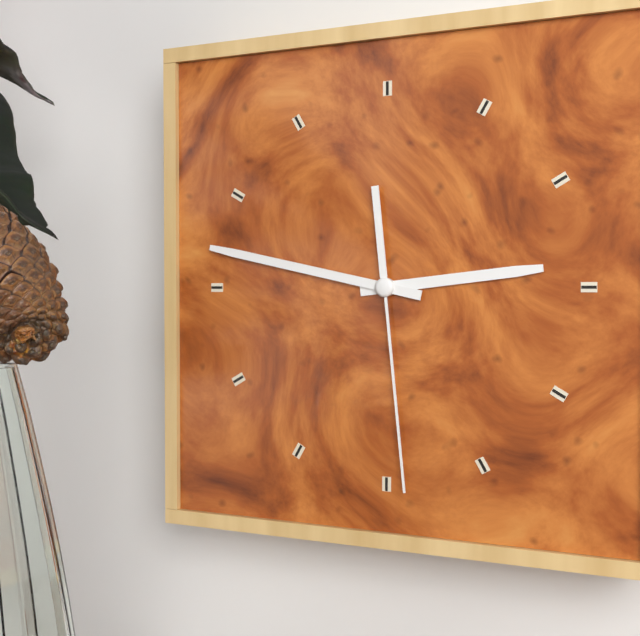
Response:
h=2 m=47 s=29
